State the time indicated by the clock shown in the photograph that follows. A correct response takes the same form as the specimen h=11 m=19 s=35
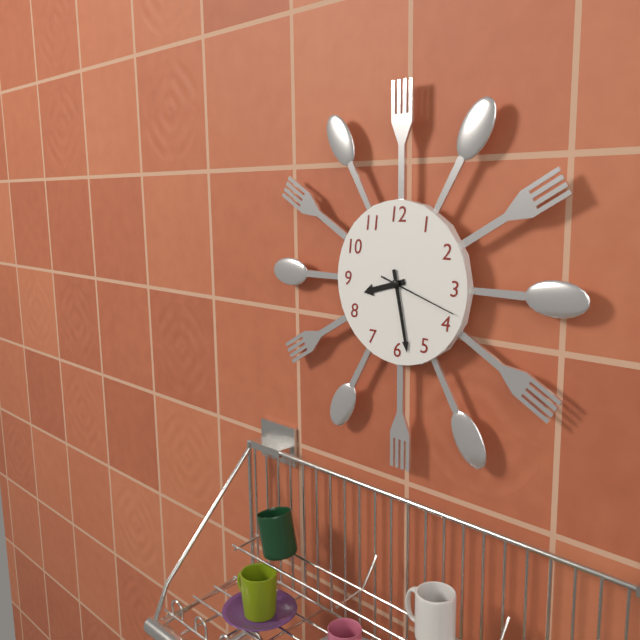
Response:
h=8 m=28 s=18
